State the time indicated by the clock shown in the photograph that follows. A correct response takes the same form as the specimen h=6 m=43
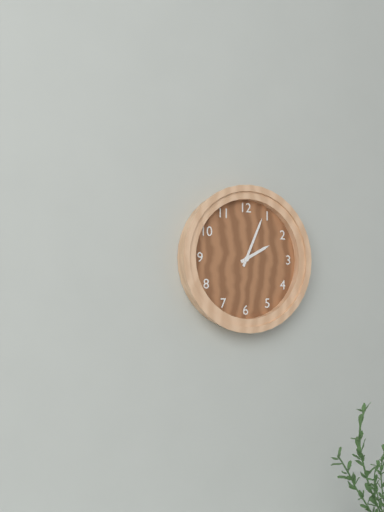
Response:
h=2 m=4
